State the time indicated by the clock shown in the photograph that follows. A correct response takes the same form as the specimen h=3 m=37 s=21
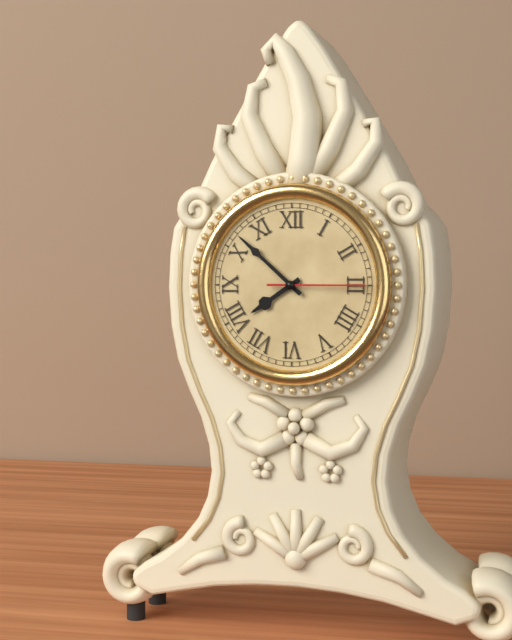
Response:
h=7 m=52 s=15
